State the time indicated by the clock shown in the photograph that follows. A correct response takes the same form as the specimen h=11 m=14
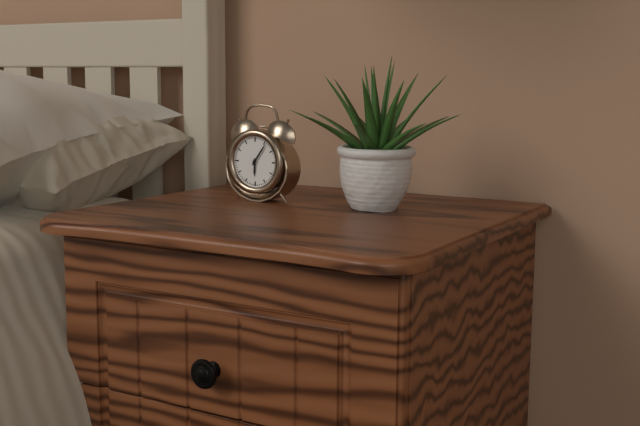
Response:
h=6 m=6
